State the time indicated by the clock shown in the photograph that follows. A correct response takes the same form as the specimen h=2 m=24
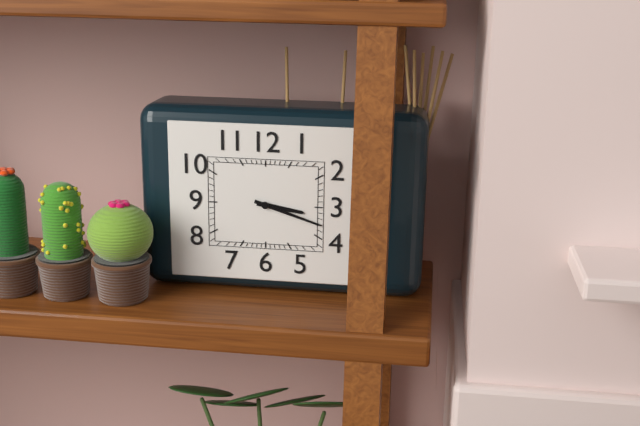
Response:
h=3 m=18
